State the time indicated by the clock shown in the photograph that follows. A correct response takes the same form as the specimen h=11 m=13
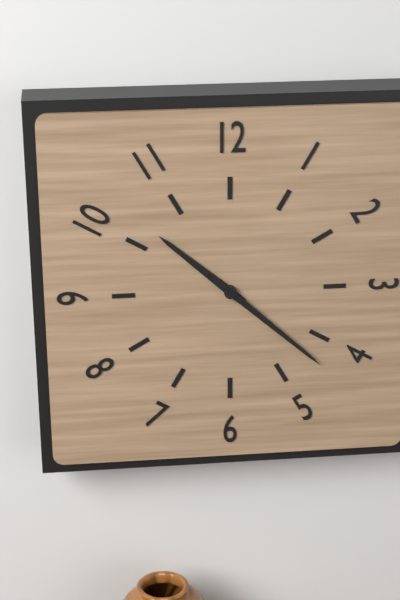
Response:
h=10 m=22
